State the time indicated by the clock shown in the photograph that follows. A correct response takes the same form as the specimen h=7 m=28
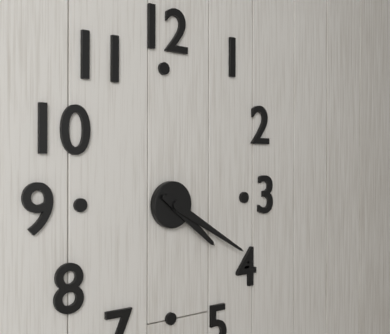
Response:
h=4 m=20
